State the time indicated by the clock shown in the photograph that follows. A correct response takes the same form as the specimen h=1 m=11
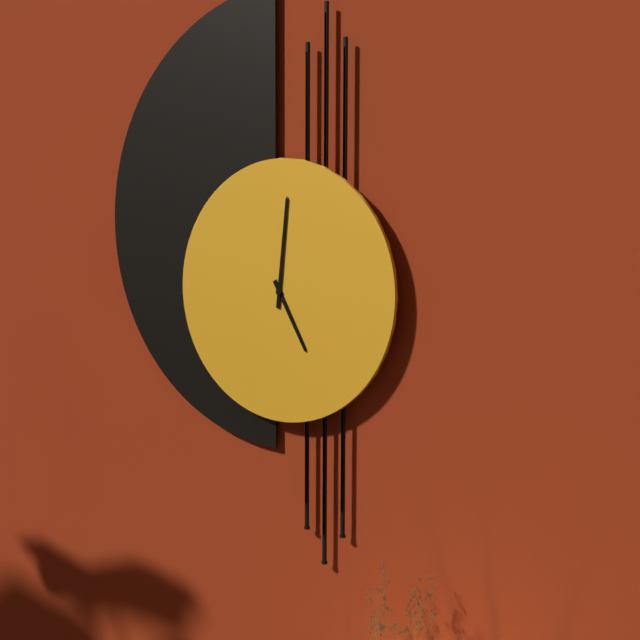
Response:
h=5 m=1
